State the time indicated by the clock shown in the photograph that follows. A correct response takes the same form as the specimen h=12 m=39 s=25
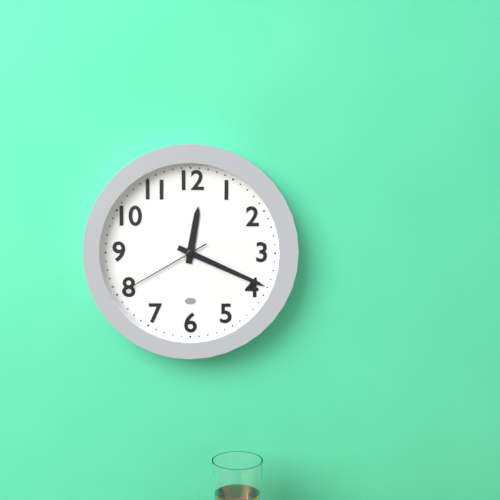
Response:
h=12 m=19 s=40
